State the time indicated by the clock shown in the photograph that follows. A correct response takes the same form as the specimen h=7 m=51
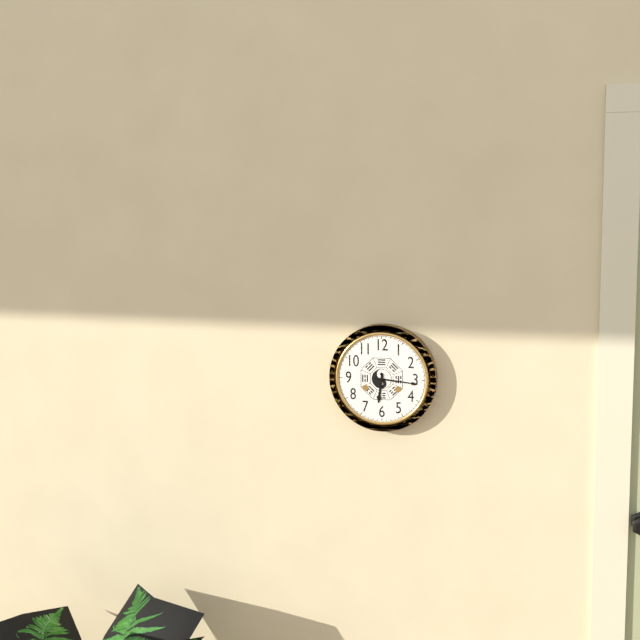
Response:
h=6 m=16
